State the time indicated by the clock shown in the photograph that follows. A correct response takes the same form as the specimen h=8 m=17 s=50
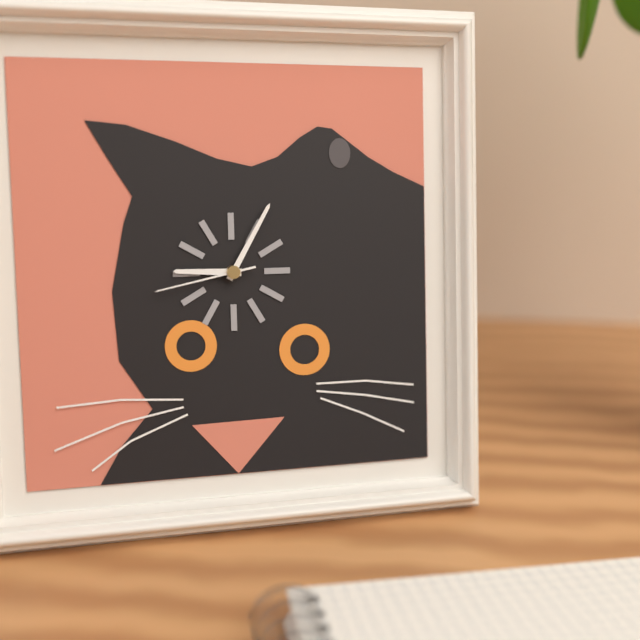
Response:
h=9 m=5 s=43
